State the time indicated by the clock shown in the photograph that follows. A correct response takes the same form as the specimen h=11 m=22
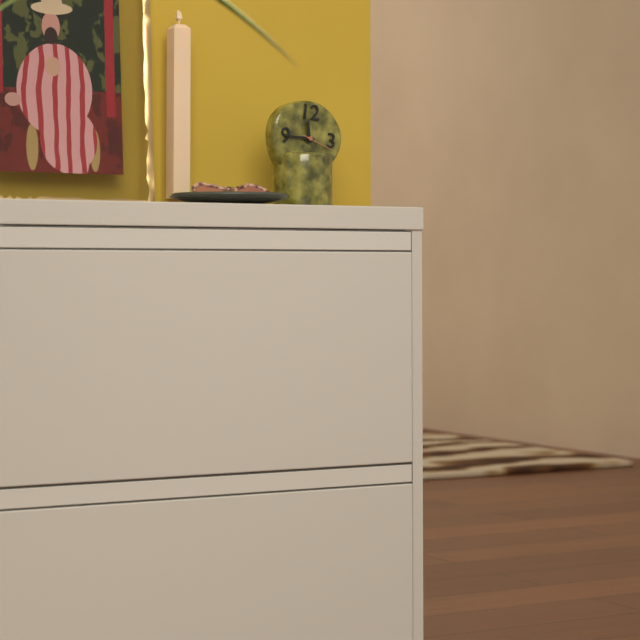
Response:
h=11 m=45
